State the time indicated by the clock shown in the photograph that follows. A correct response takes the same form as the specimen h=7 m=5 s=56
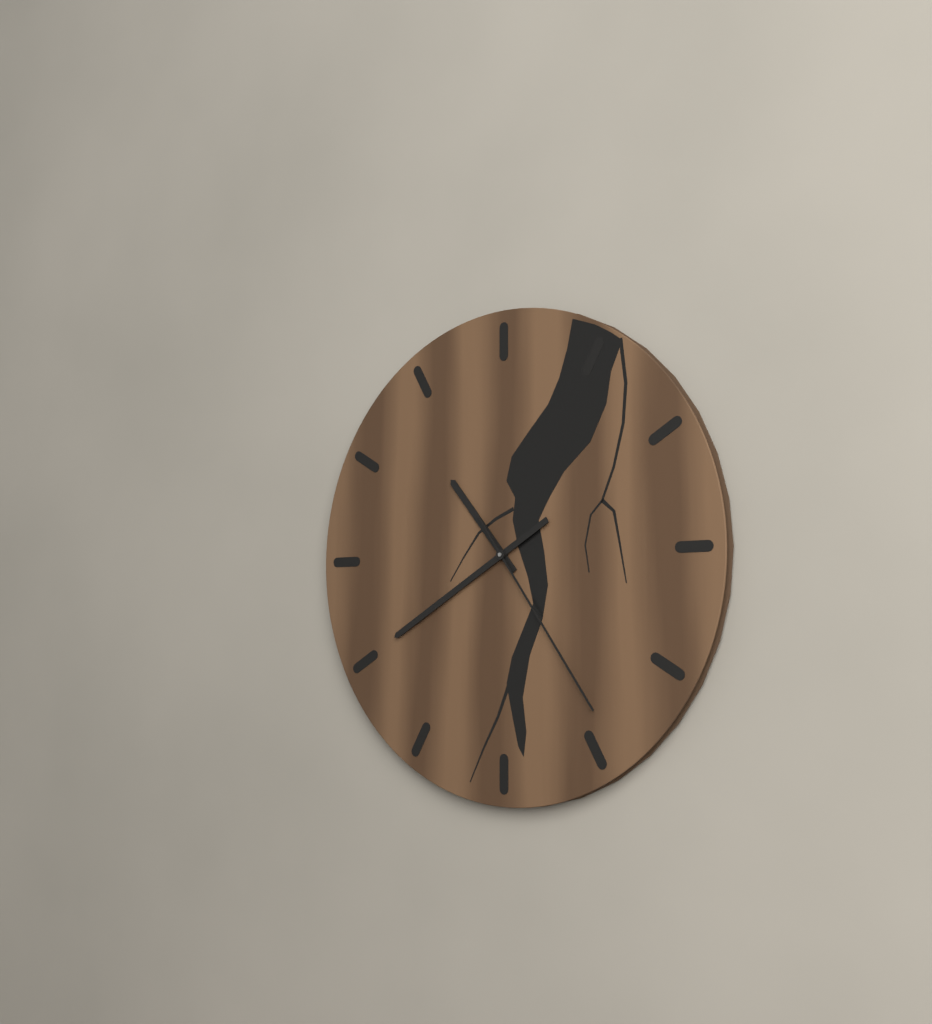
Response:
h=10 m=40 s=24
